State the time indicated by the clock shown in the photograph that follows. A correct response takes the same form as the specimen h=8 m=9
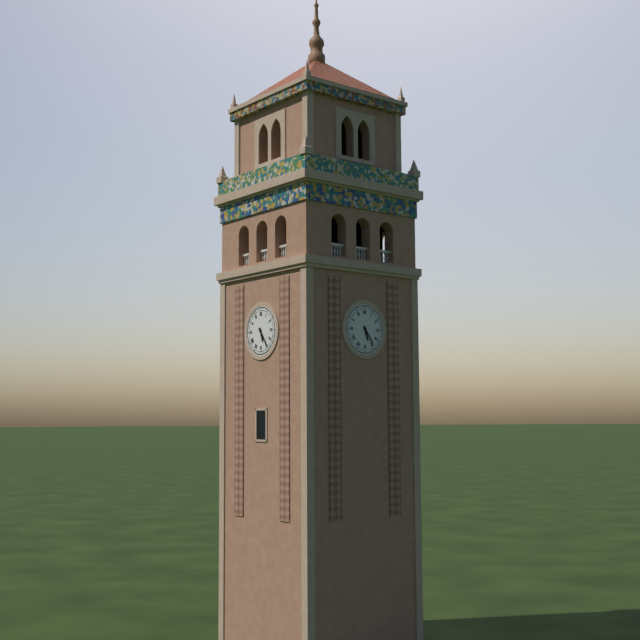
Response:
h=5 m=24
